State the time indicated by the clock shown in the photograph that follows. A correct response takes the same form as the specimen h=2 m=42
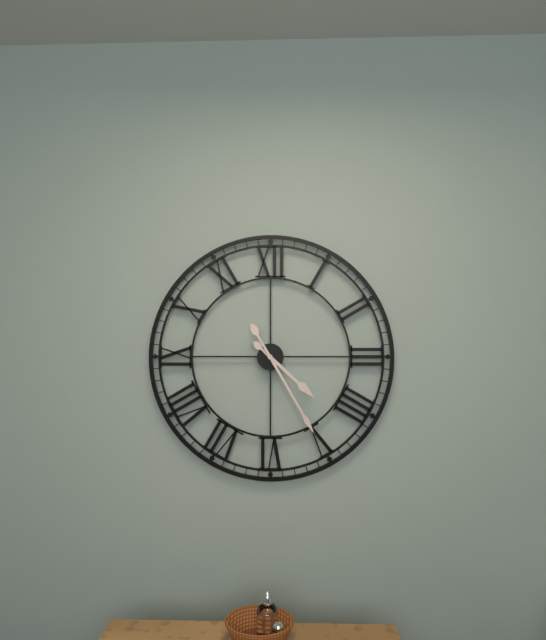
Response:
h=4 m=25
